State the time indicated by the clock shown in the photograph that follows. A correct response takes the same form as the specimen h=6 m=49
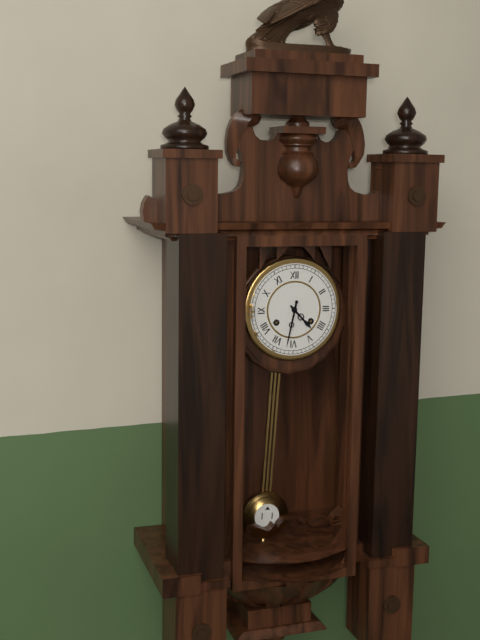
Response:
h=4 m=32
